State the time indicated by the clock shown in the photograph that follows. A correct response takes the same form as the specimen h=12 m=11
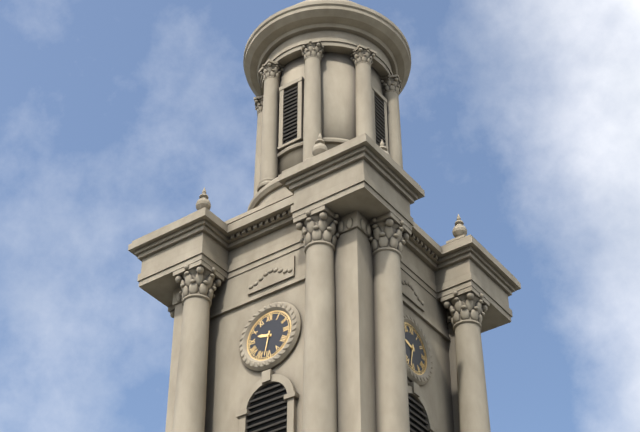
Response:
h=9 m=32
